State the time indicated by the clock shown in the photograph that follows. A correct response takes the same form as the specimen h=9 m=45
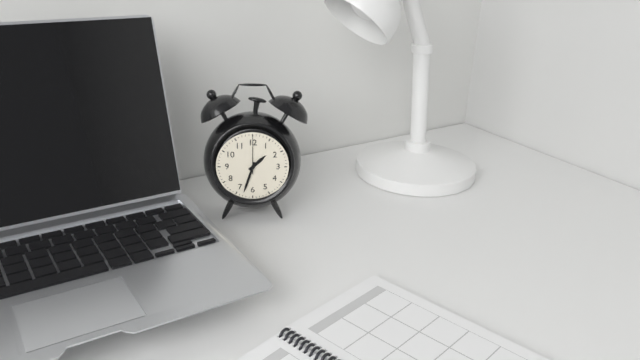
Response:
h=1 m=33
